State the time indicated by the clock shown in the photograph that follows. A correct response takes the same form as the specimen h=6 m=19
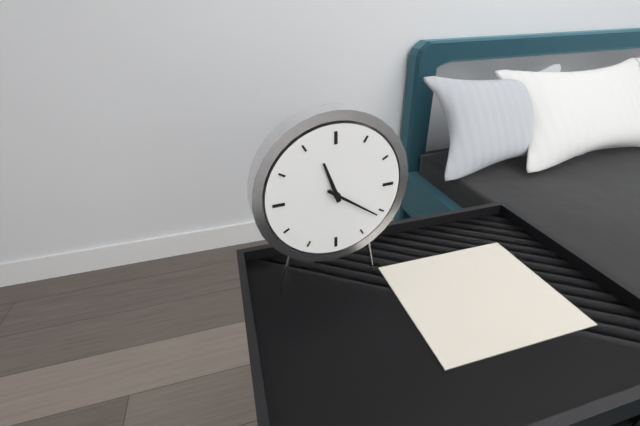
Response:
h=11 m=21
